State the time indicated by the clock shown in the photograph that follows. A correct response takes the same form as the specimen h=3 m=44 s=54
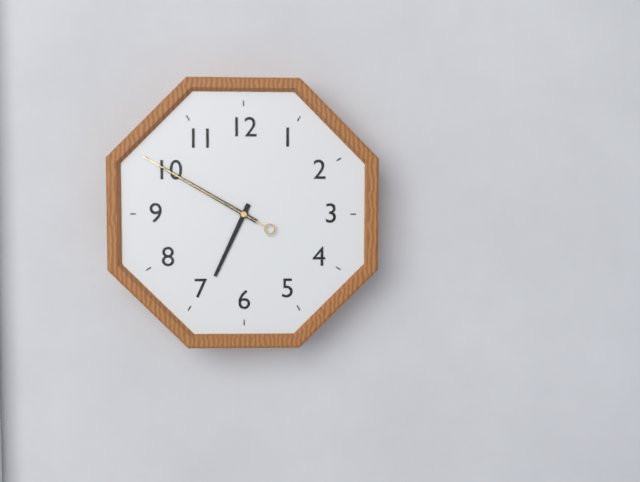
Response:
h=6 m=50 s=50
